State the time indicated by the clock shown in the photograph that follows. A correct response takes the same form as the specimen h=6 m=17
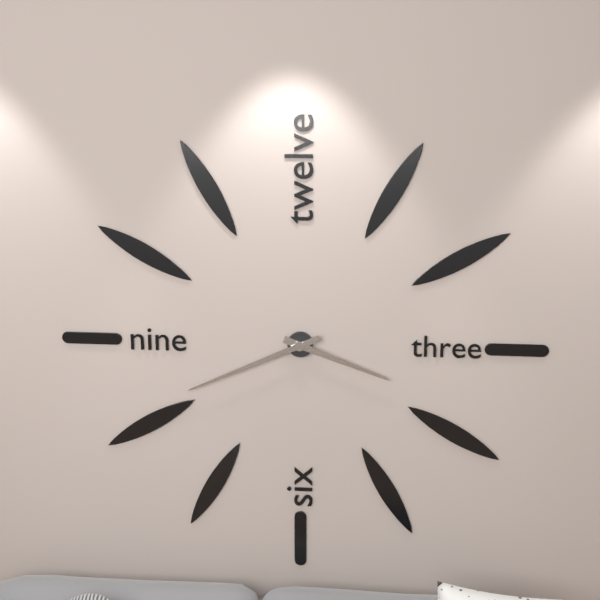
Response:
h=3 m=41
